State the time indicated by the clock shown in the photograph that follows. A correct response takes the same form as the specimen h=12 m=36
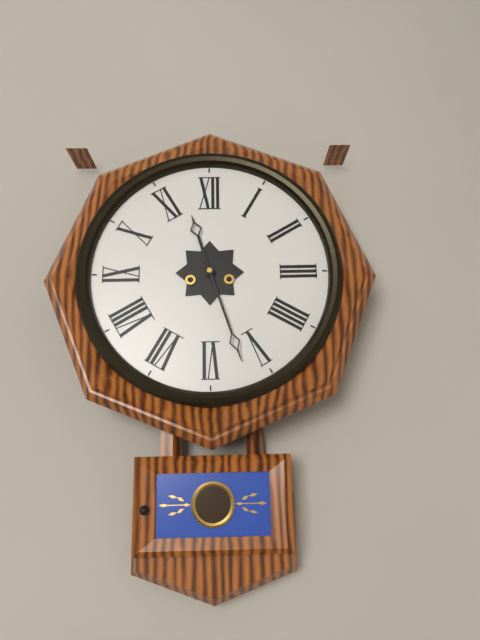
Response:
h=11 m=27
